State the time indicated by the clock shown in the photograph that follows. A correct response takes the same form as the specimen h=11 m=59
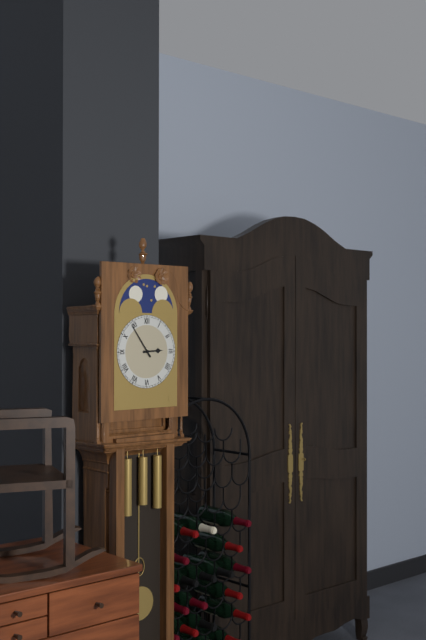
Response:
h=2 m=54
